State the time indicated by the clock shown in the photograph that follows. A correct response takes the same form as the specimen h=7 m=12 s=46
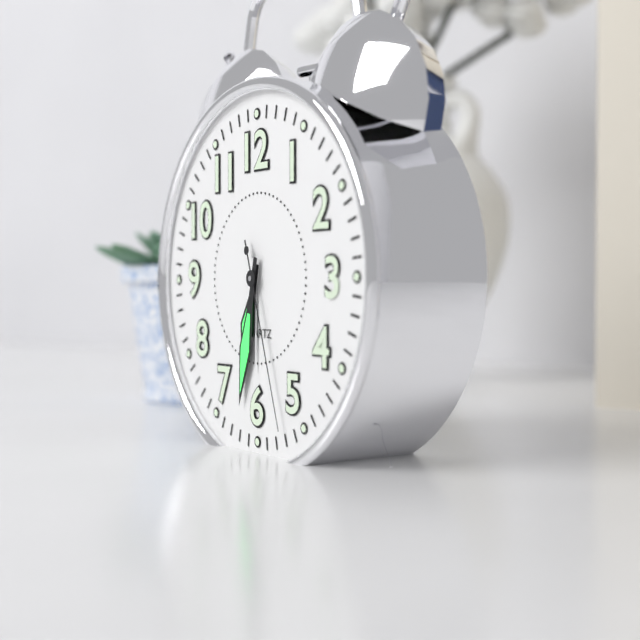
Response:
h=6 m=32 s=27
